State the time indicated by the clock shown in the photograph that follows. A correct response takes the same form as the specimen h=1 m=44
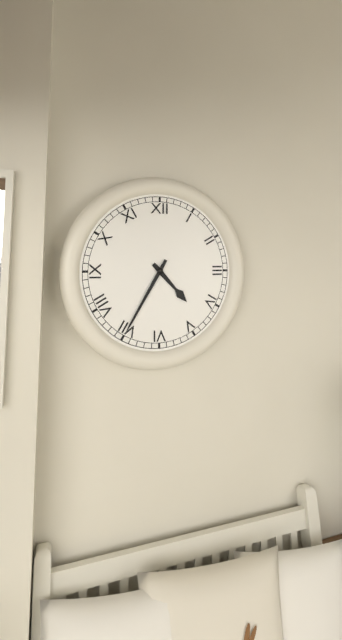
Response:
h=4 m=35
